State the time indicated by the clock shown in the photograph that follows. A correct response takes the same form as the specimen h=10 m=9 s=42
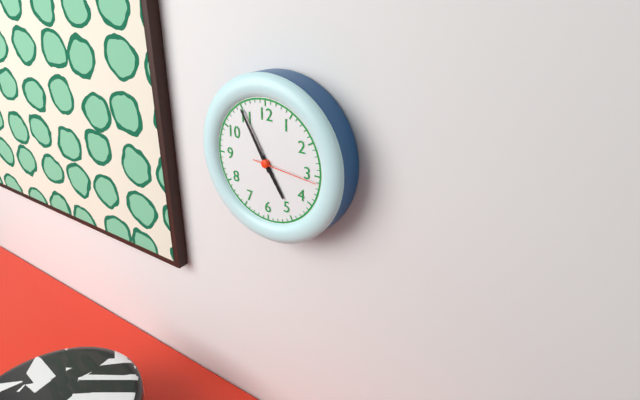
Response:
h=4 m=55 s=16
